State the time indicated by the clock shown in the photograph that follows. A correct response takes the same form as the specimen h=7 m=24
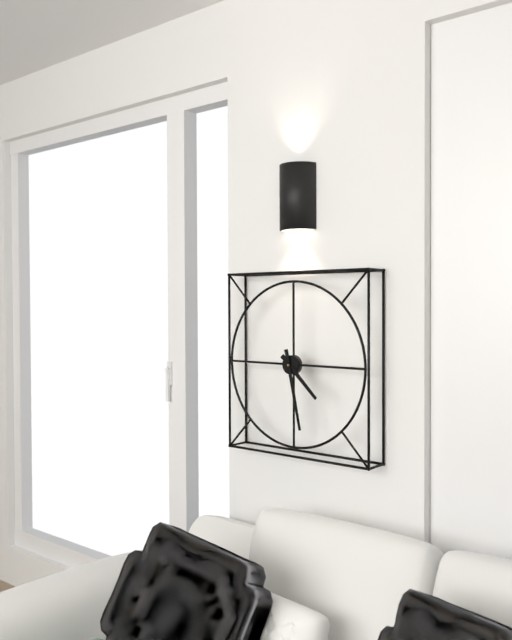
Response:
h=4 m=28
